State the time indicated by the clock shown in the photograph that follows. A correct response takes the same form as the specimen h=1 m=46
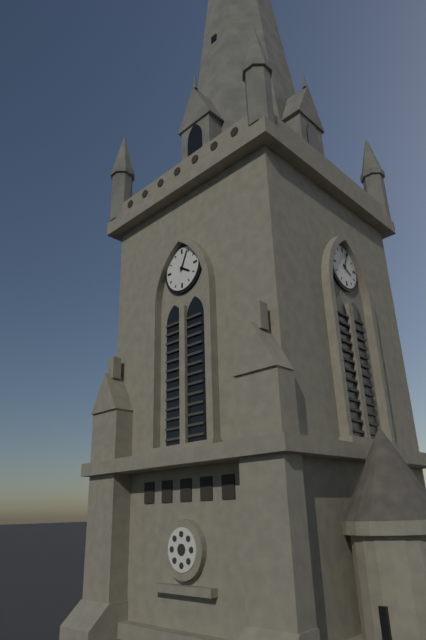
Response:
h=4 m=4
